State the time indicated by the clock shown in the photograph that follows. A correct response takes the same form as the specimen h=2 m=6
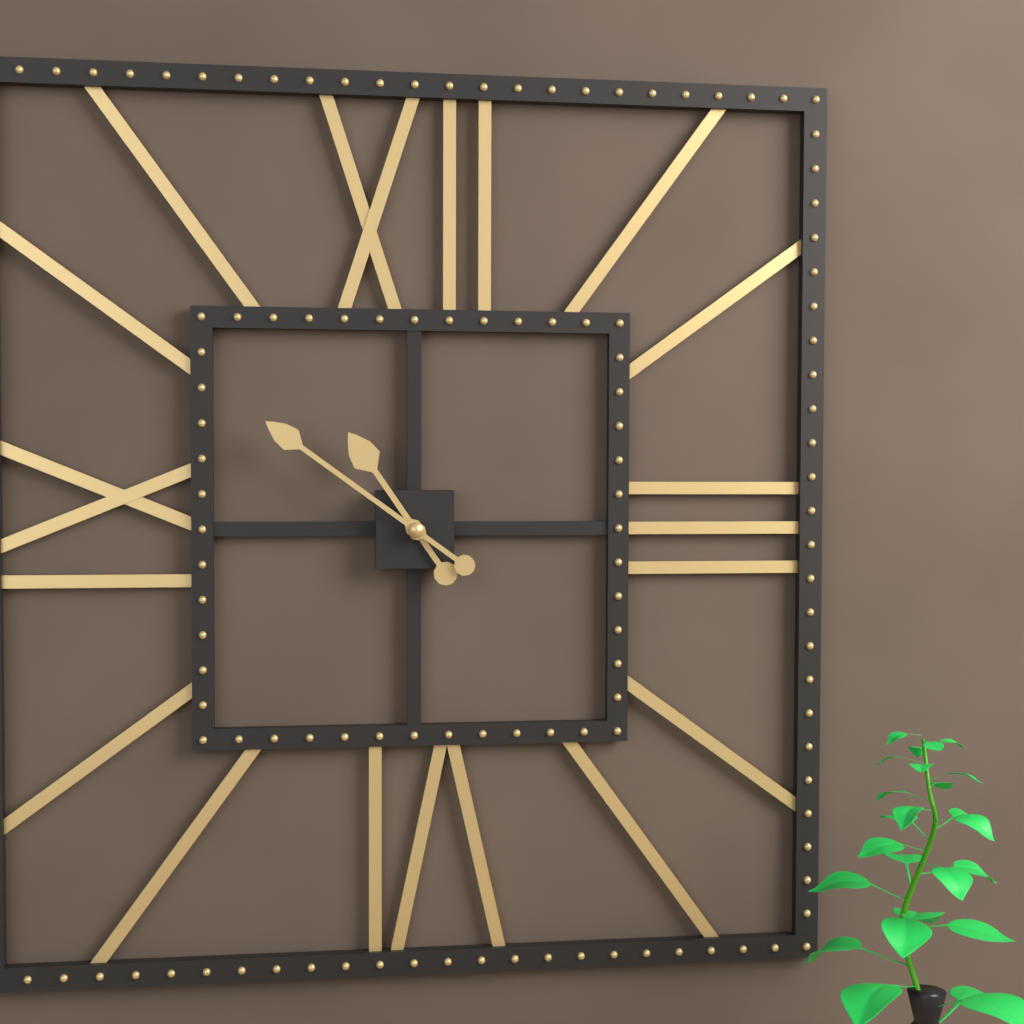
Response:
h=10 m=51
